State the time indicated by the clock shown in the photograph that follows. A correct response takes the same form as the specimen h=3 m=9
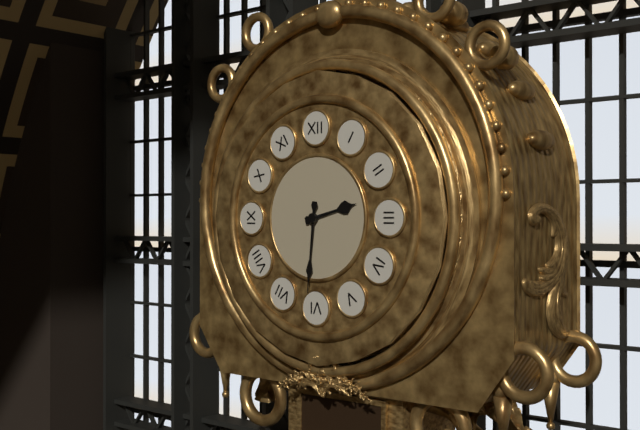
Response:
h=2 m=31
